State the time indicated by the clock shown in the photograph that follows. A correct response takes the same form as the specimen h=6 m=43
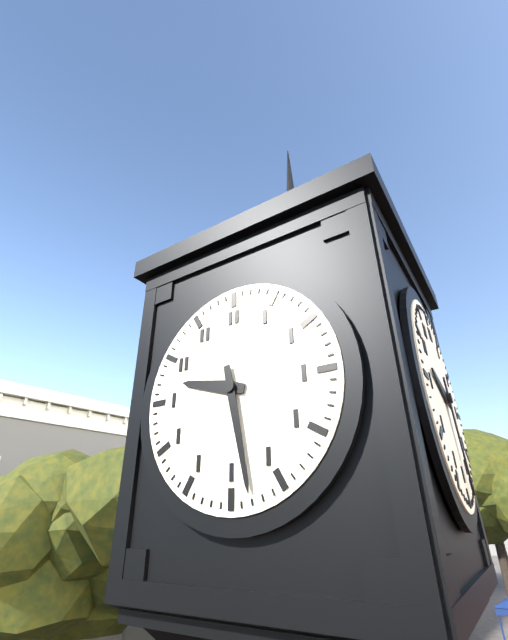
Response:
h=9 m=28
